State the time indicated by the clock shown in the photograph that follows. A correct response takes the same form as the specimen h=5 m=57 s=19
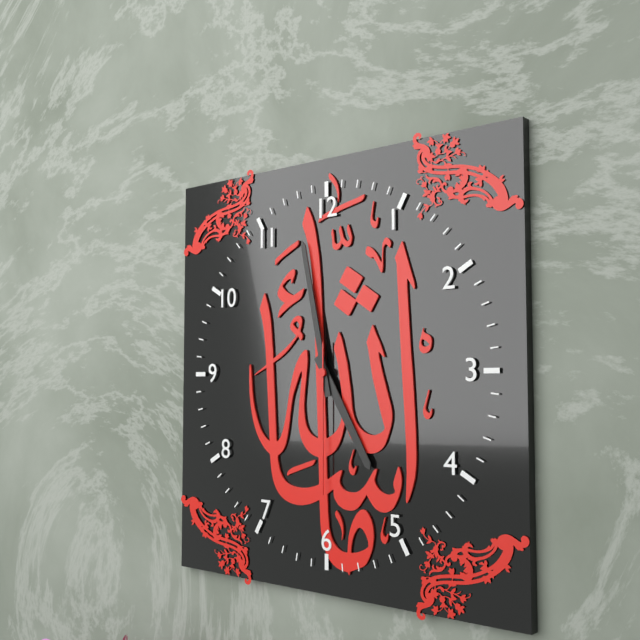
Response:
h=4 m=58 s=30
